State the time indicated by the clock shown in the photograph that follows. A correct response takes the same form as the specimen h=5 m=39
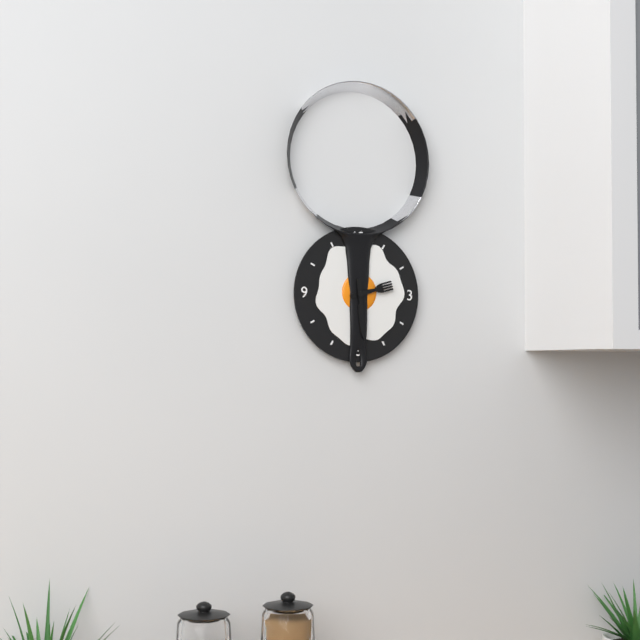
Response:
h=2 m=29
